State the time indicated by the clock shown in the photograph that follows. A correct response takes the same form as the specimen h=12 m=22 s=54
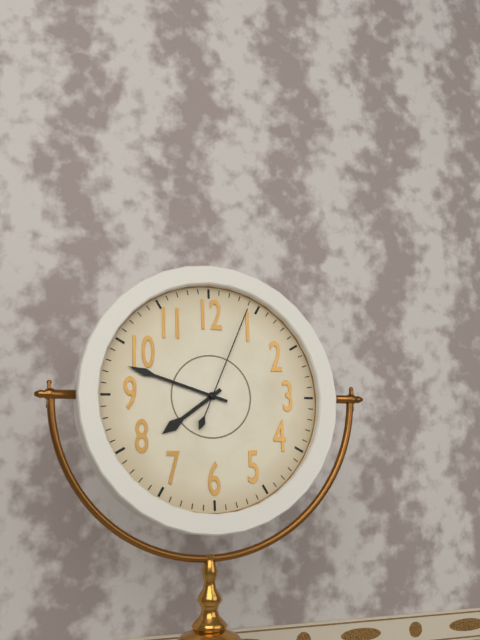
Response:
h=7 m=48 s=4
